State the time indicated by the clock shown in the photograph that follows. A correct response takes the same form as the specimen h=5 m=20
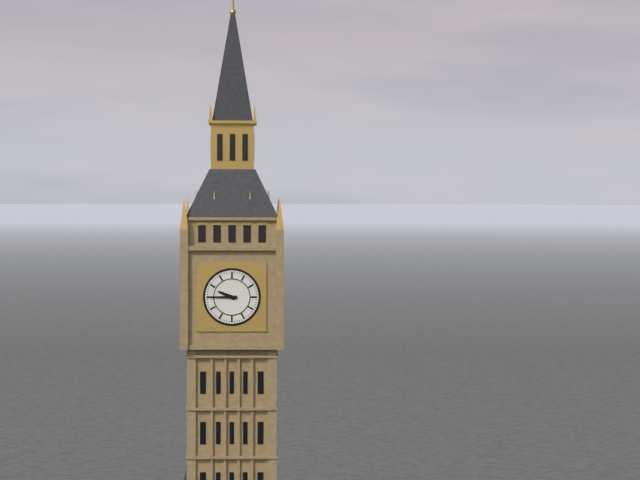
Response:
h=9 m=45
